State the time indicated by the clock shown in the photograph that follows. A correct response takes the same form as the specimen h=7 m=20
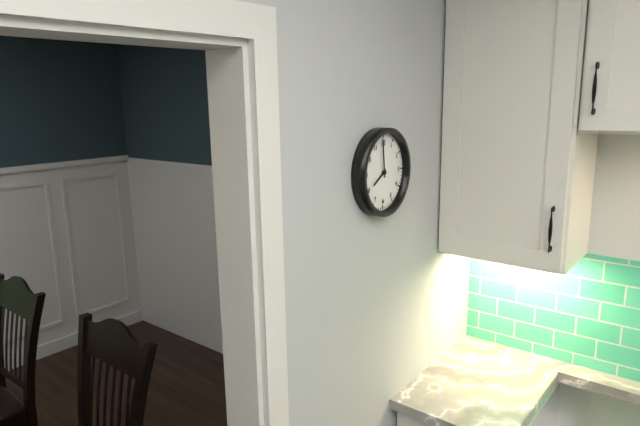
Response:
h=7 m=59
